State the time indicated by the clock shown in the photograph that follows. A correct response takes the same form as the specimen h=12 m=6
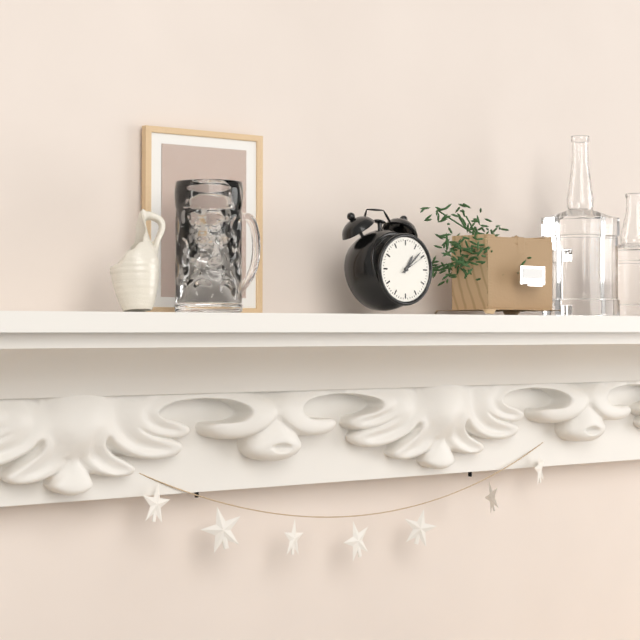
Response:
h=1 m=8
